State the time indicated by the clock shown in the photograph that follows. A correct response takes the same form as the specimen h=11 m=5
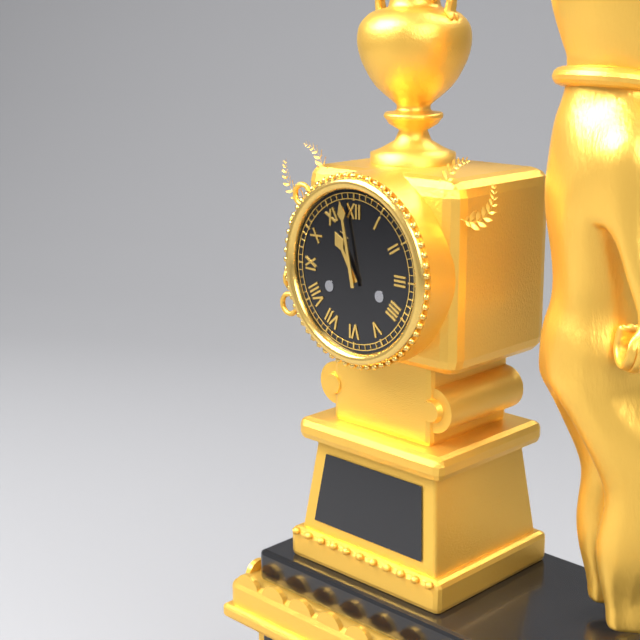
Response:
h=10 m=58
